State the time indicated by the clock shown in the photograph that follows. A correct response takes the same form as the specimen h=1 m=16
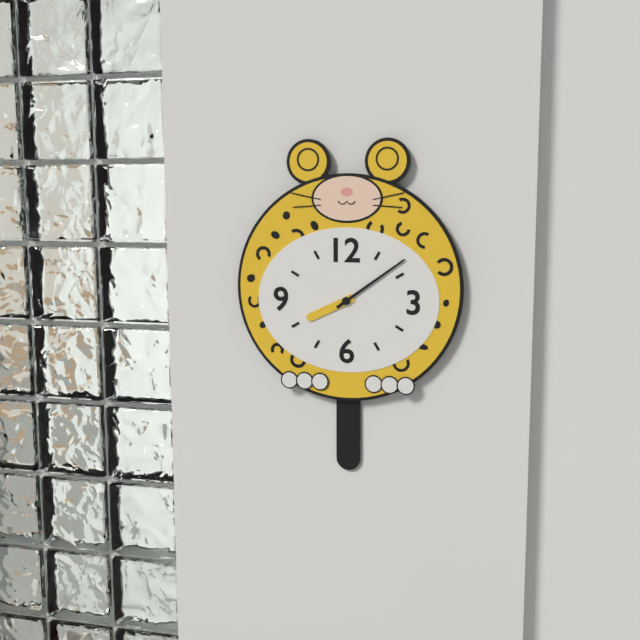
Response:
h=8 m=9
